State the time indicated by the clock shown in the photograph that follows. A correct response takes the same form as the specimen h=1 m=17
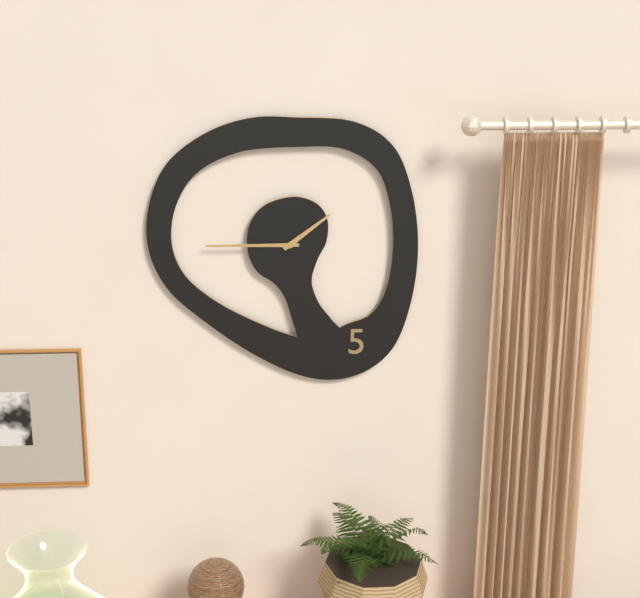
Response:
h=1 m=45
